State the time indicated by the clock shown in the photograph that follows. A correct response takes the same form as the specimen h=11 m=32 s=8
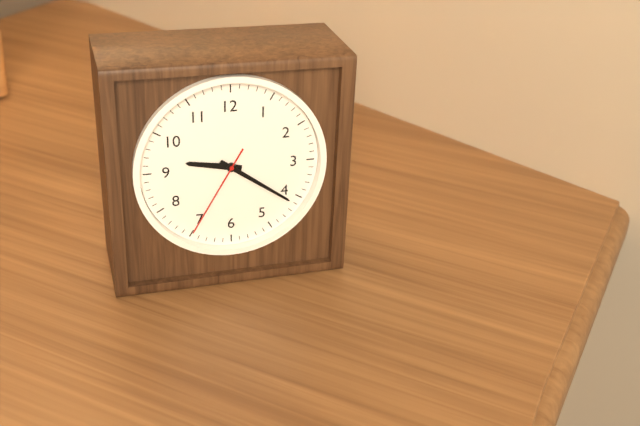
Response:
h=9 m=21 s=35
